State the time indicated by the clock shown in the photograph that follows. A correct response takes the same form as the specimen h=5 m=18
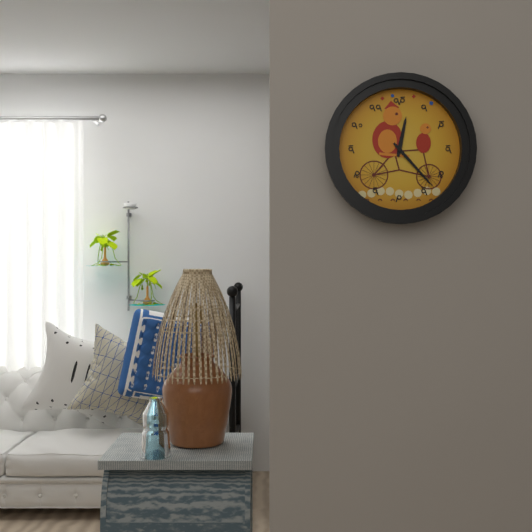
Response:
h=12 m=23
